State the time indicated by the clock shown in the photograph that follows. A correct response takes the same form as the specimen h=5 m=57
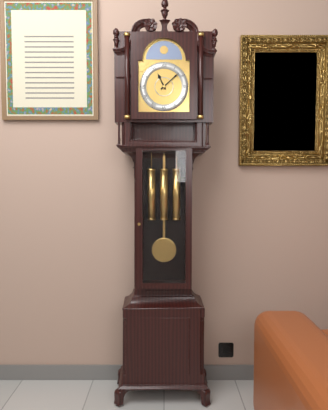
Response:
h=11 m=8
